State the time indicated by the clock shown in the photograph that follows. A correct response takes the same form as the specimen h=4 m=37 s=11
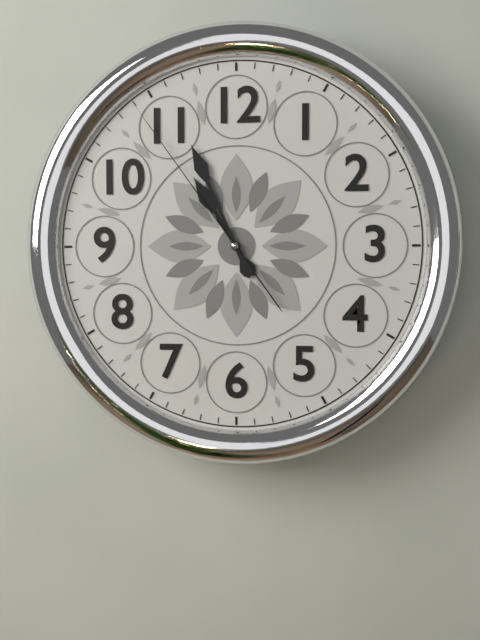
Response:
h=10 m=56 s=54
